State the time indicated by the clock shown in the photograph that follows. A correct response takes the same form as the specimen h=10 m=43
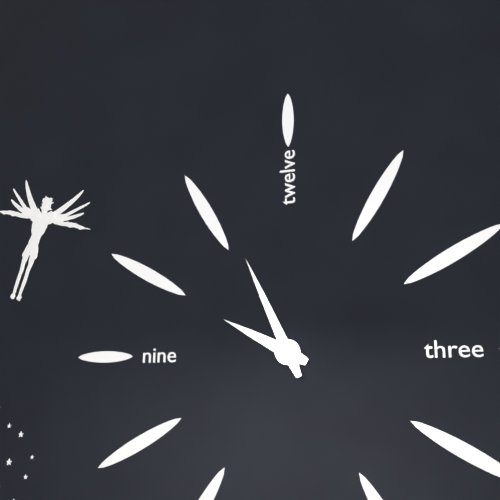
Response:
h=9 m=56
